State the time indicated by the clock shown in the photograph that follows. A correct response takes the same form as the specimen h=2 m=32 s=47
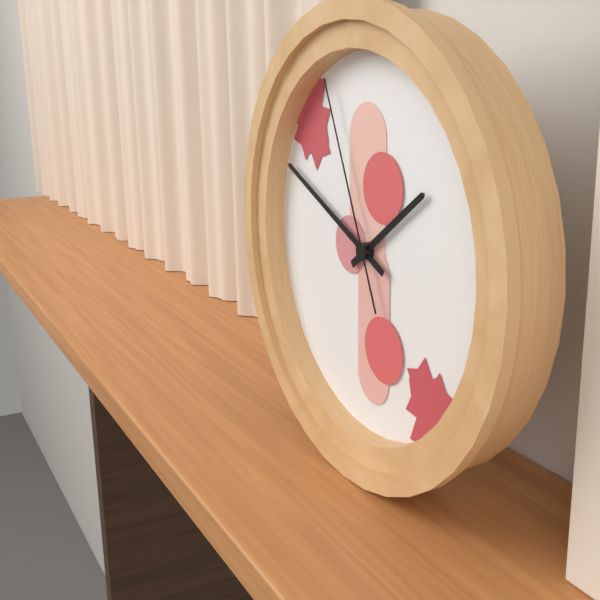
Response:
h=1 m=49 s=56
